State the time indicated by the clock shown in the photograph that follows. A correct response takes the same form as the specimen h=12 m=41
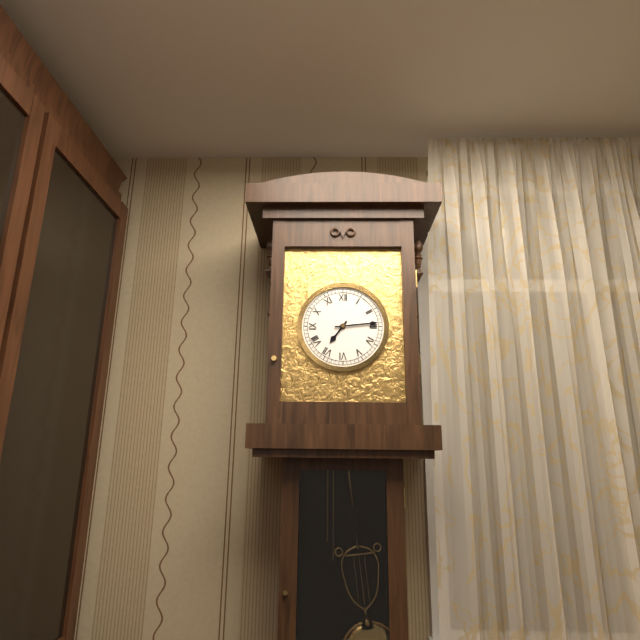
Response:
h=7 m=14
